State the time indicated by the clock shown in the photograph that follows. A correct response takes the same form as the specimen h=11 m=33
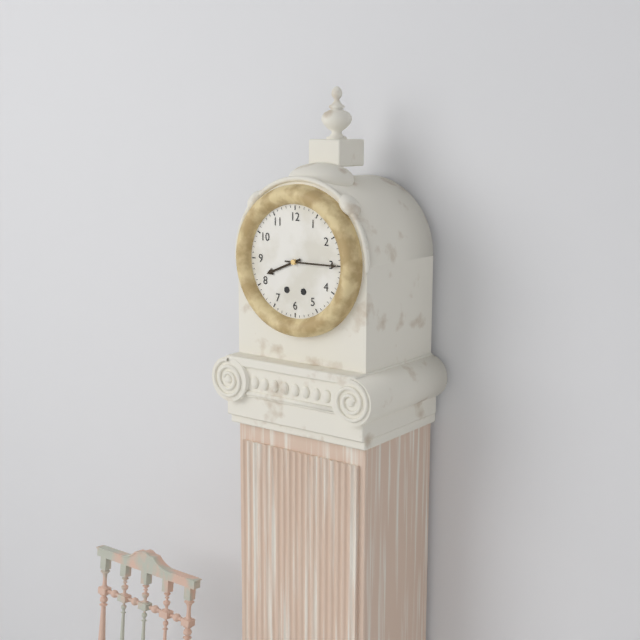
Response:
h=8 m=15
